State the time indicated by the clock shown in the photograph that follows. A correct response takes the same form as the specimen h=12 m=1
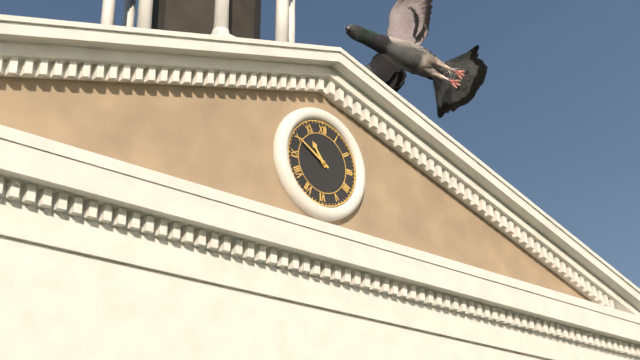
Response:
h=10 m=50
